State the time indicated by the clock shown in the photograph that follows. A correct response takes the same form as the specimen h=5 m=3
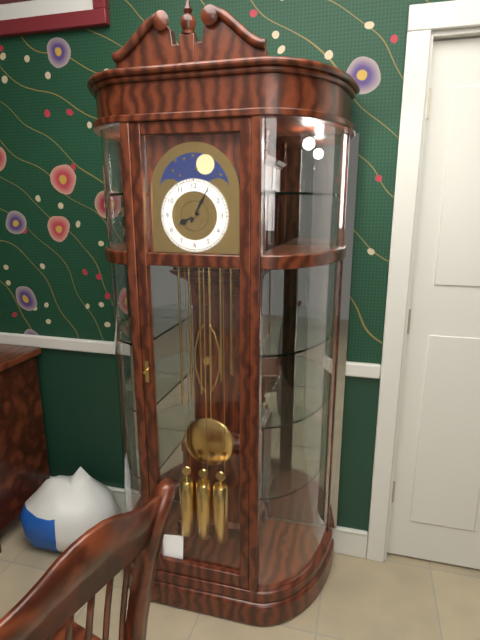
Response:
h=8 m=5
